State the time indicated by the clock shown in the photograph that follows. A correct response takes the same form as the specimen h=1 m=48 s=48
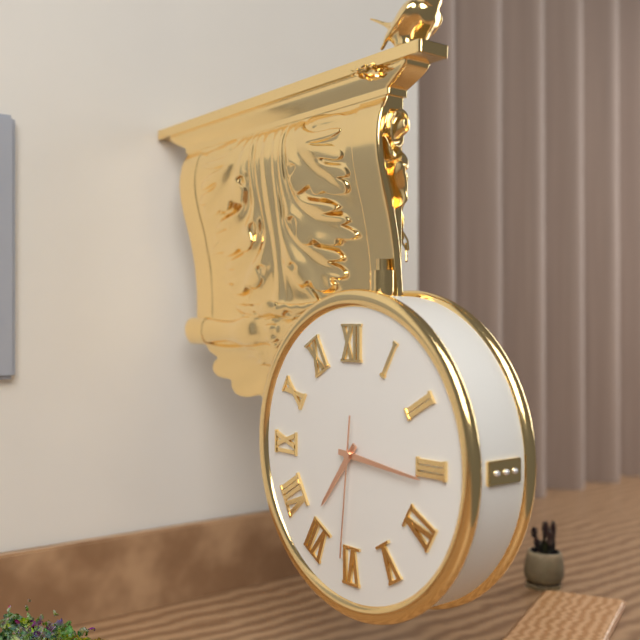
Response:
h=7 m=16 s=31
